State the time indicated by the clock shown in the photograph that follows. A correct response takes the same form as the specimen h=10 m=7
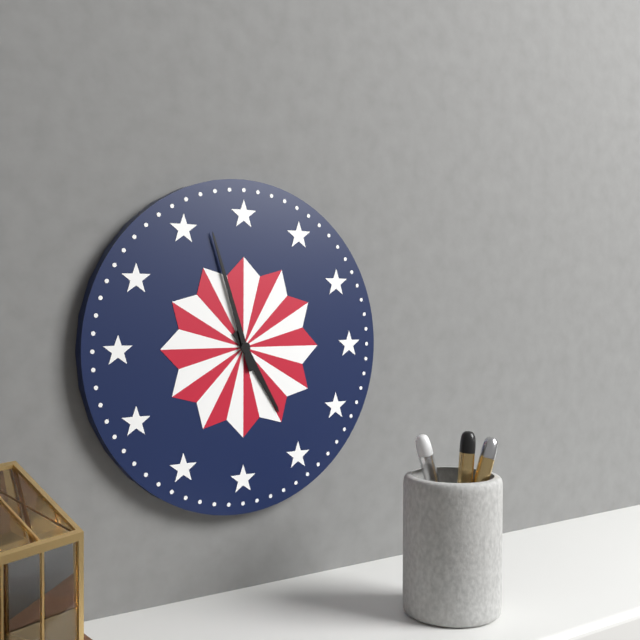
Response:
h=4 m=57
